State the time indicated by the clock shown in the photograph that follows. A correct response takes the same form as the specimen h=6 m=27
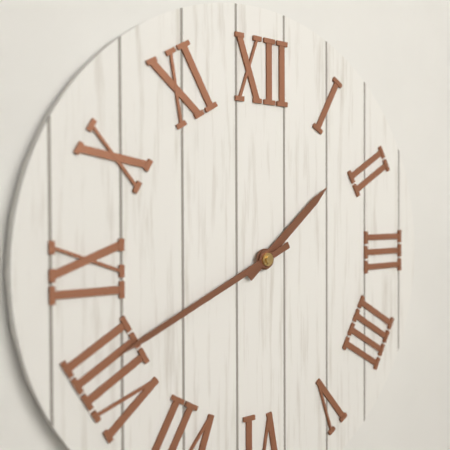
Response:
h=1 m=41
